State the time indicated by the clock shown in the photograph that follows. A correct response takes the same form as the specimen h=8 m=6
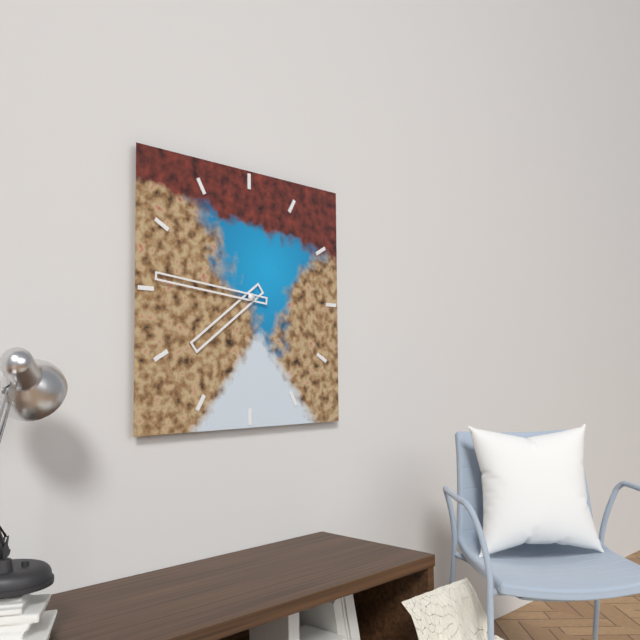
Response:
h=7 m=46
